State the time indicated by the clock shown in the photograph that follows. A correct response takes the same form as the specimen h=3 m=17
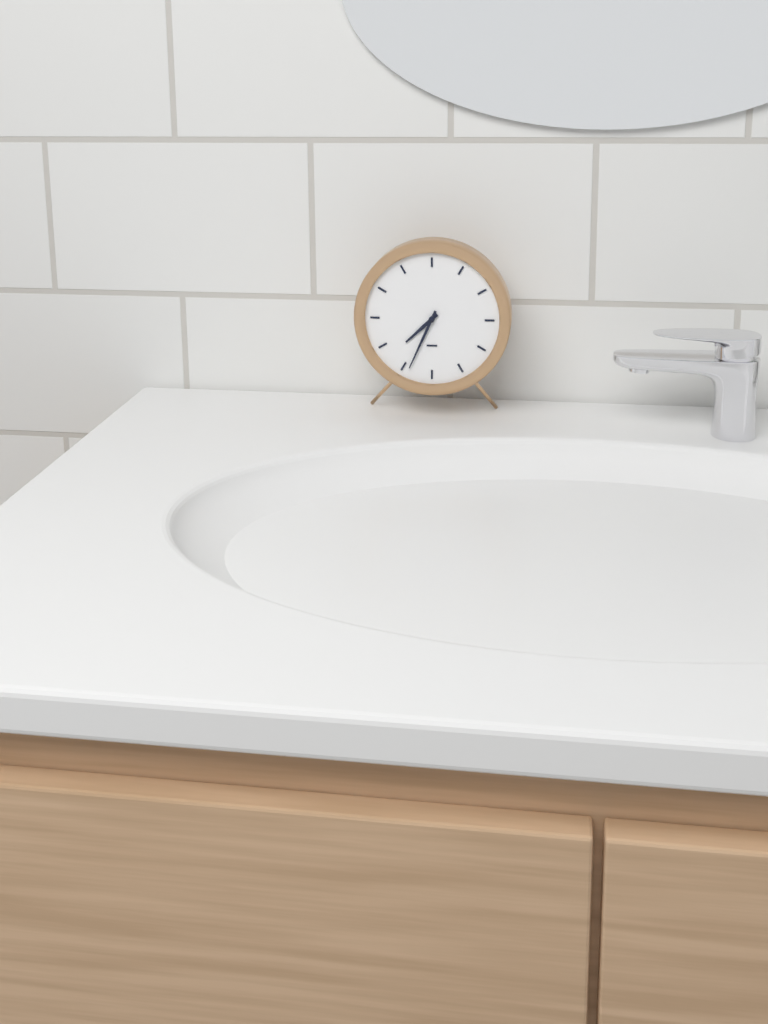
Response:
h=7 m=34
